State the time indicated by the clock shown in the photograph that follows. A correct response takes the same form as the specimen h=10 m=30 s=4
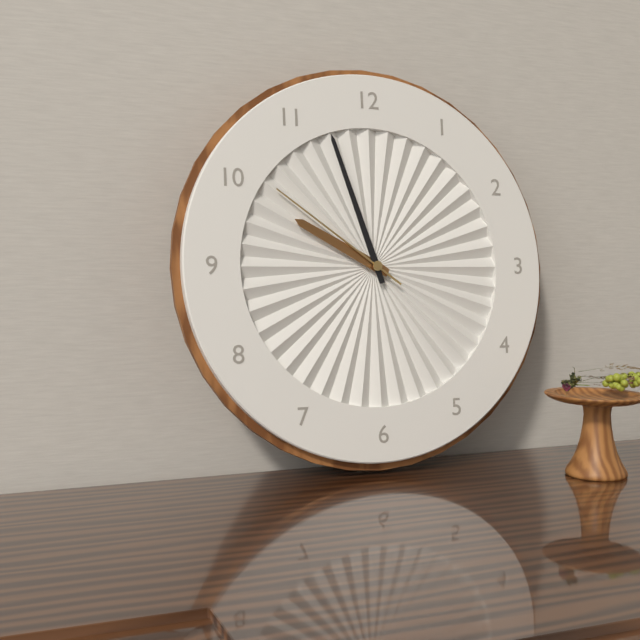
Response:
h=9 m=57 s=51
